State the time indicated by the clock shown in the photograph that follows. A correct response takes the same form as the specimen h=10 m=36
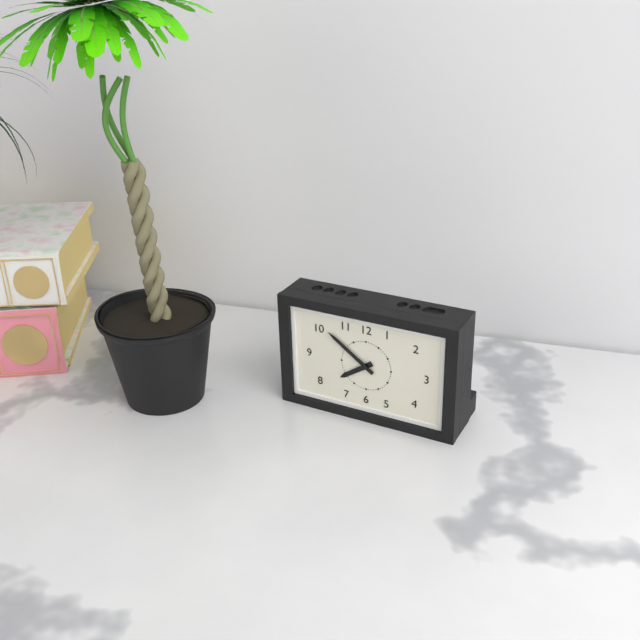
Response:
h=7 m=51
